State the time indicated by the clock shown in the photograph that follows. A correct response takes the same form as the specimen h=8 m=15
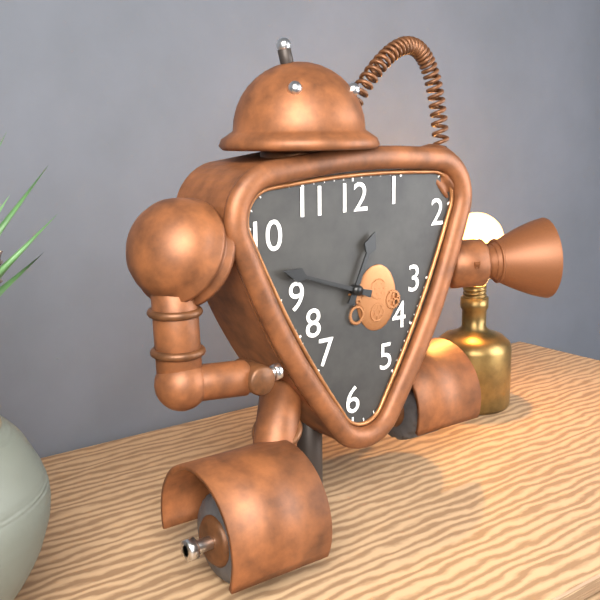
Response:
h=12 m=48
